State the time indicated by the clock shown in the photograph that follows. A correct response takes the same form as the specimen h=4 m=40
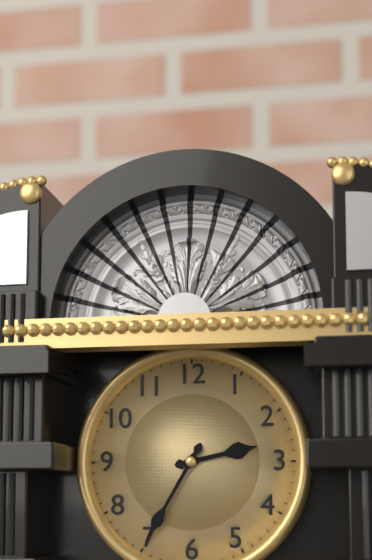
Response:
h=2 m=35
